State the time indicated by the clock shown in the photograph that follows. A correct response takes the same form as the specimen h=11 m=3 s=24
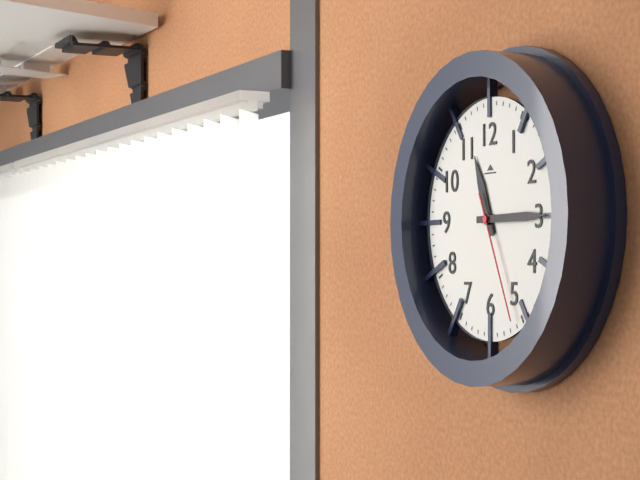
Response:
h=11 m=15 s=26
